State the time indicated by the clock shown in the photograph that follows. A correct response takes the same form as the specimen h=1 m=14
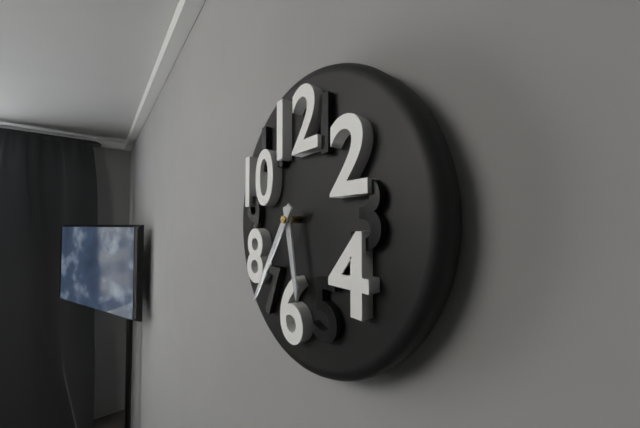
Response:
h=5 m=36
